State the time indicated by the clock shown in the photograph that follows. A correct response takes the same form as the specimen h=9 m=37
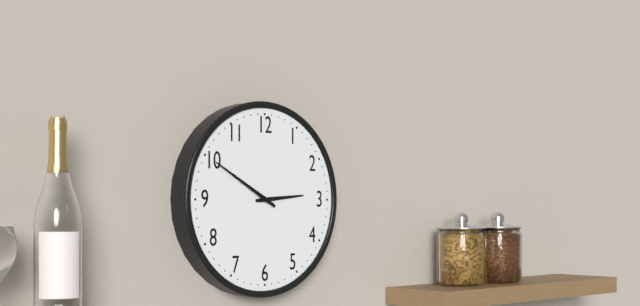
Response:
h=2 m=50
